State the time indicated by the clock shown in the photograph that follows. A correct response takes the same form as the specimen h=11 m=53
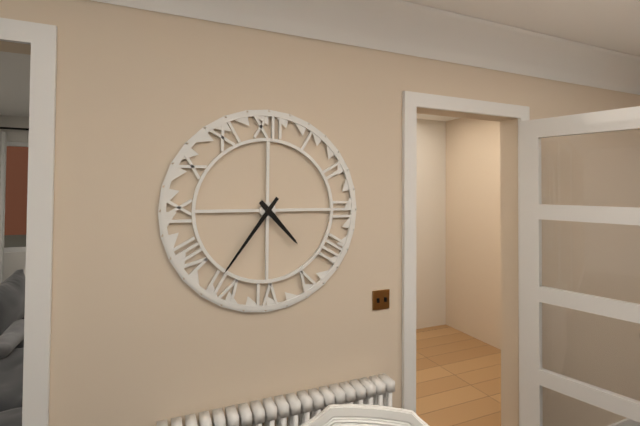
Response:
h=4 m=36
